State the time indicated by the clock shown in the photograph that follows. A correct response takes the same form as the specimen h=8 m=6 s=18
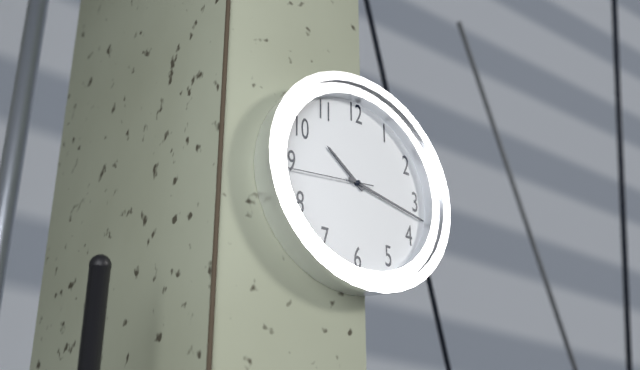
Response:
h=10 m=17 s=44
